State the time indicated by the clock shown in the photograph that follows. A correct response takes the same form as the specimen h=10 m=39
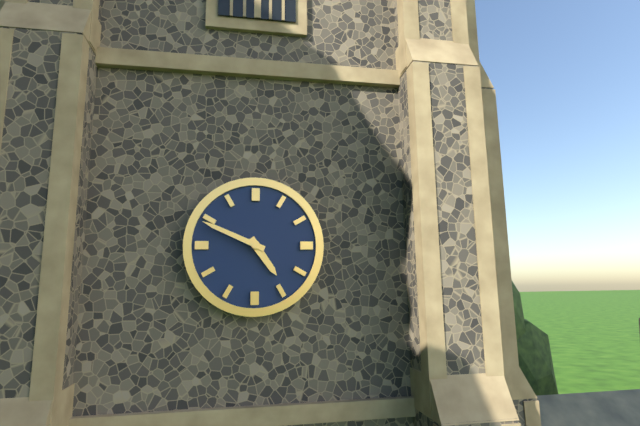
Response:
h=4 m=49
